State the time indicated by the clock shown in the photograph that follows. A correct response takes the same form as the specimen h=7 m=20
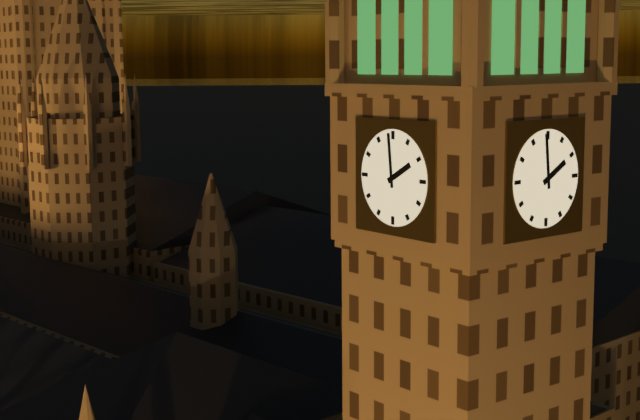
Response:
h=1 m=59
